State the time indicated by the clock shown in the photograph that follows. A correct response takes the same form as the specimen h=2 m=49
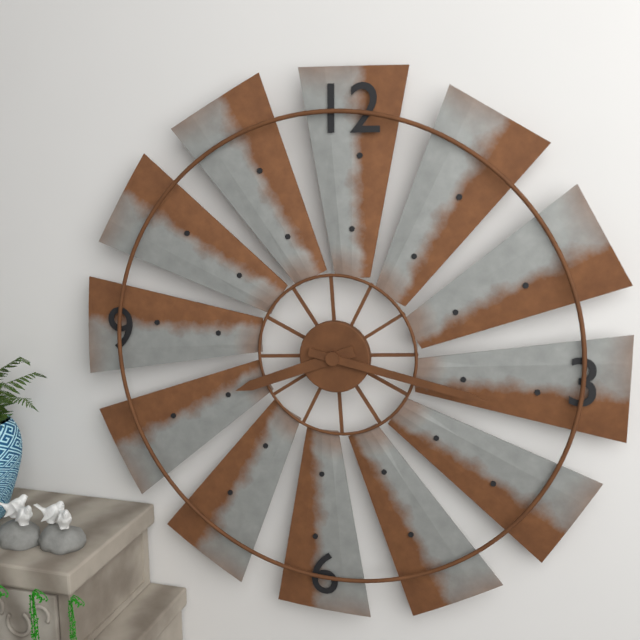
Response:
h=8 m=17
